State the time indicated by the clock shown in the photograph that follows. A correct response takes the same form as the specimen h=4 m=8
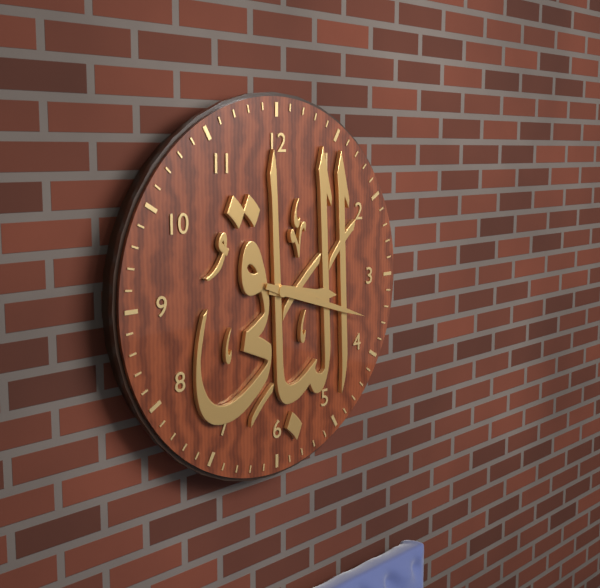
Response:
h=3 m=18
